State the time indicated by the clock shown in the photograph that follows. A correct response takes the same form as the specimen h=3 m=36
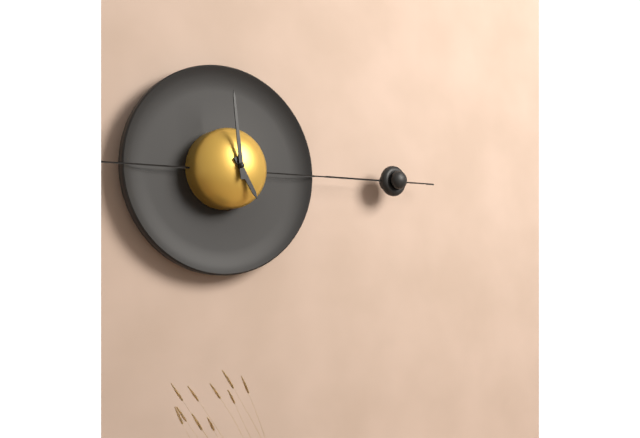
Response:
h=4 m=59
